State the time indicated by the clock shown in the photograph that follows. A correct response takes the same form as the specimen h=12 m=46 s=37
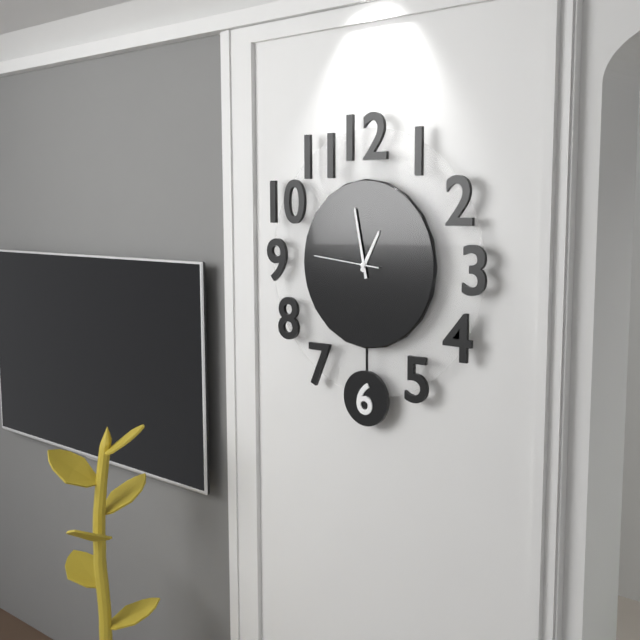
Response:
h=12 m=58 s=46
